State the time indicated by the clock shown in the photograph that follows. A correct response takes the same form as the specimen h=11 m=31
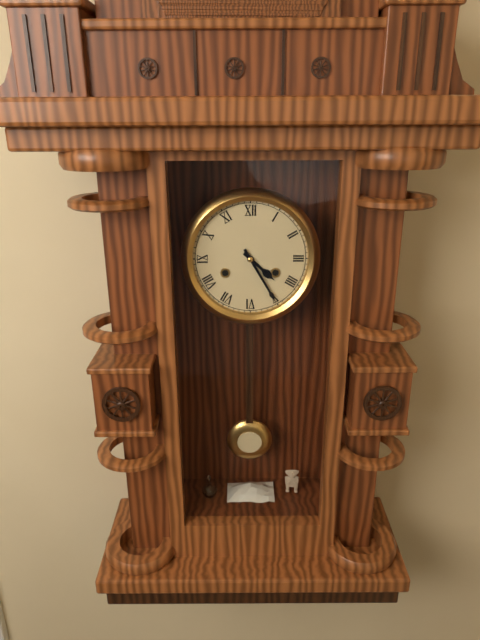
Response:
h=4 m=25
